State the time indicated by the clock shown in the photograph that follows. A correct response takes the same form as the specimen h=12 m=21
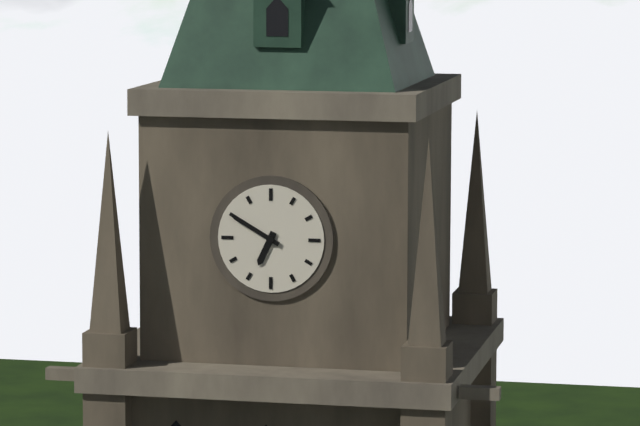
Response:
h=6 m=50
